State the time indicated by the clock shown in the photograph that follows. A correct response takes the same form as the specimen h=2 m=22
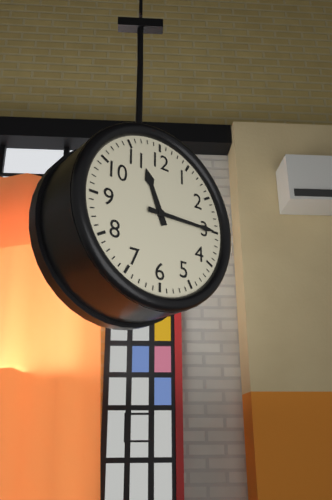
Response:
h=11 m=15
